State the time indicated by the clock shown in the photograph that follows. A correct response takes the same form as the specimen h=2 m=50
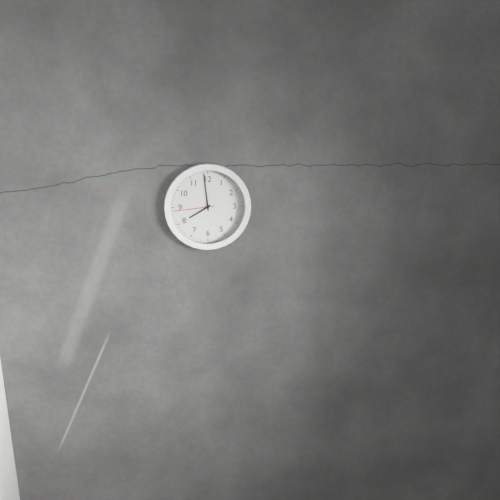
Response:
h=7 m=59
